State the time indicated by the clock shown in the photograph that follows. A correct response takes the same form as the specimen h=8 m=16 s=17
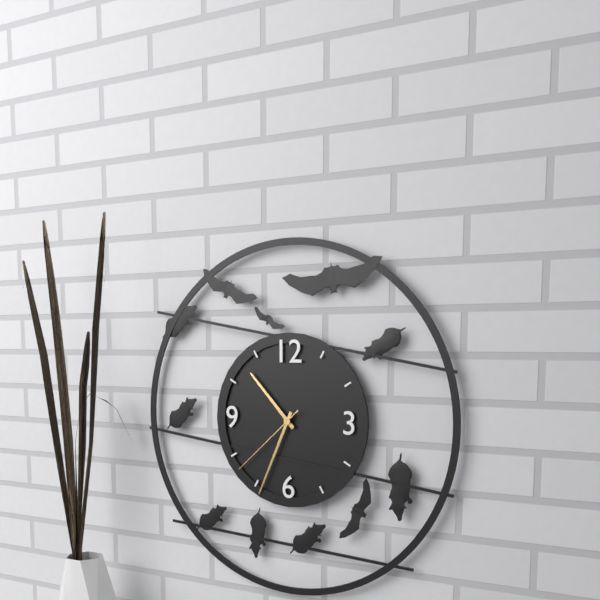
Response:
h=10 m=34 s=38
